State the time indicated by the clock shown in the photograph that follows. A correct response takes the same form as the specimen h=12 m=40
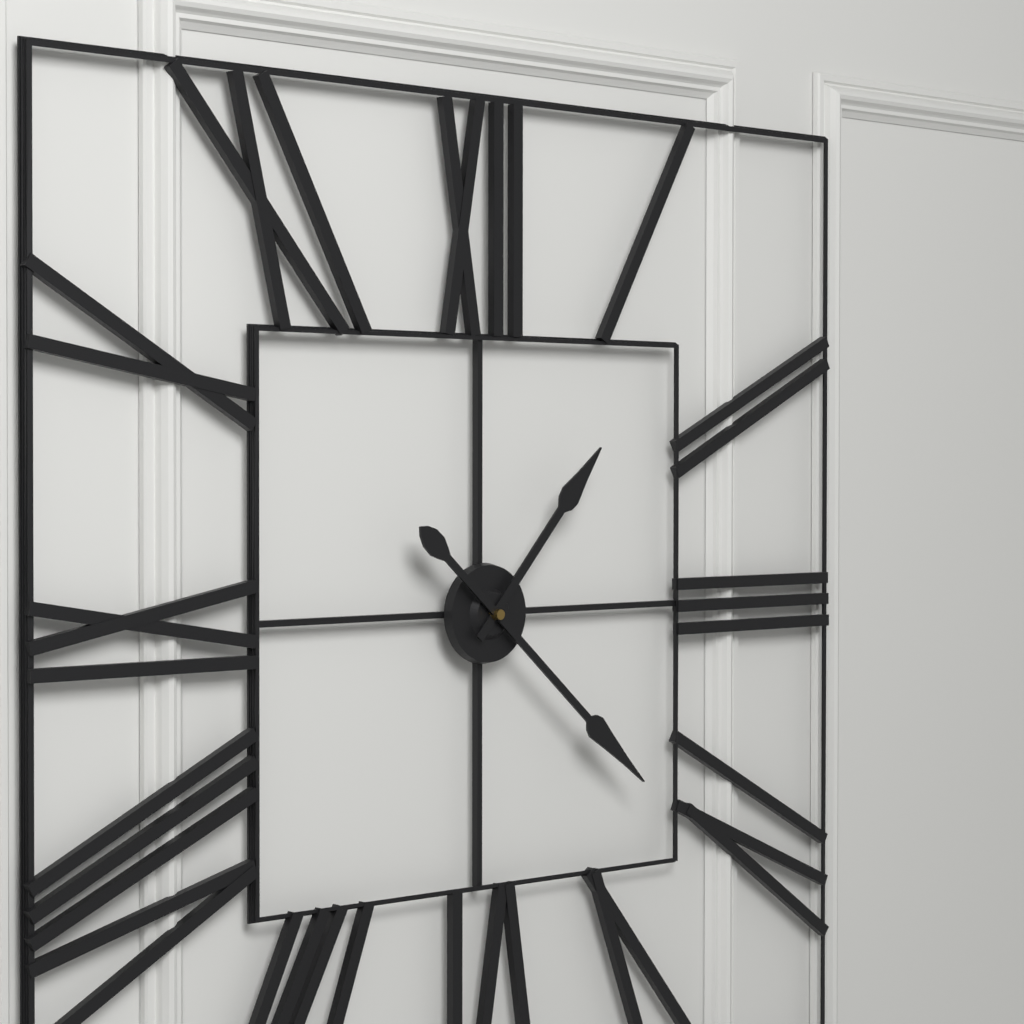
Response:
h=1 m=22
